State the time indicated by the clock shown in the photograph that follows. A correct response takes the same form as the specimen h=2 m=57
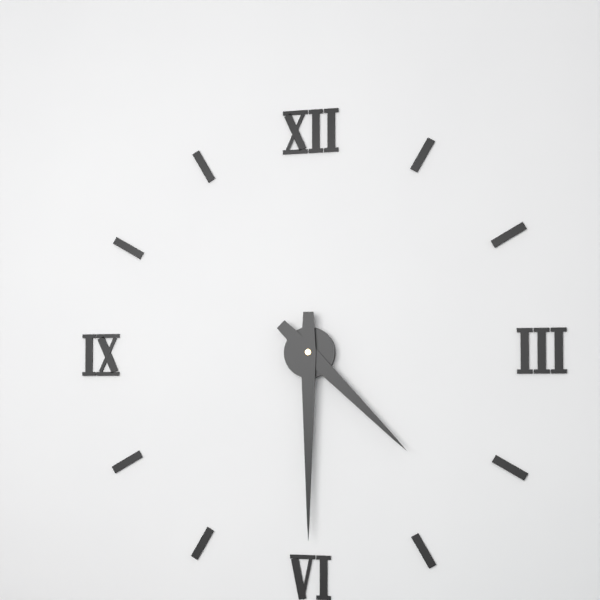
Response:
h=4 m=30
